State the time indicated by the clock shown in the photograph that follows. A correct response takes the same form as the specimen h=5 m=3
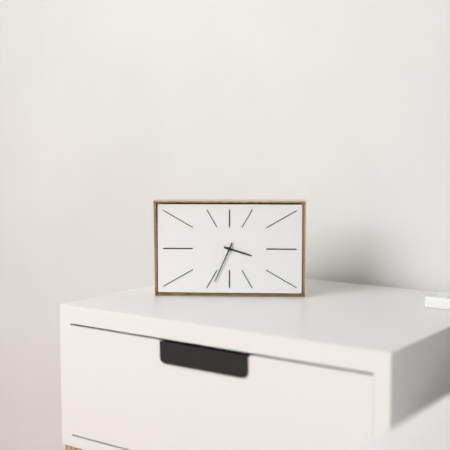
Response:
h=3 m=34
